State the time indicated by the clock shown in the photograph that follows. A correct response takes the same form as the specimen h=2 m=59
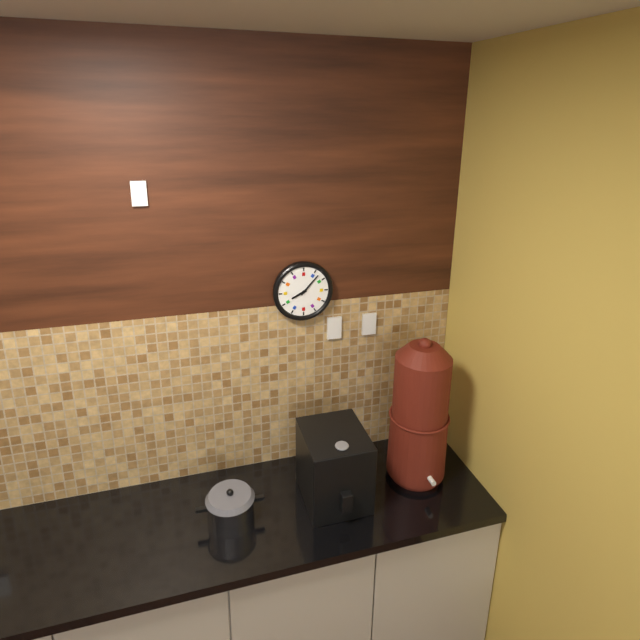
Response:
h=8 m=7
